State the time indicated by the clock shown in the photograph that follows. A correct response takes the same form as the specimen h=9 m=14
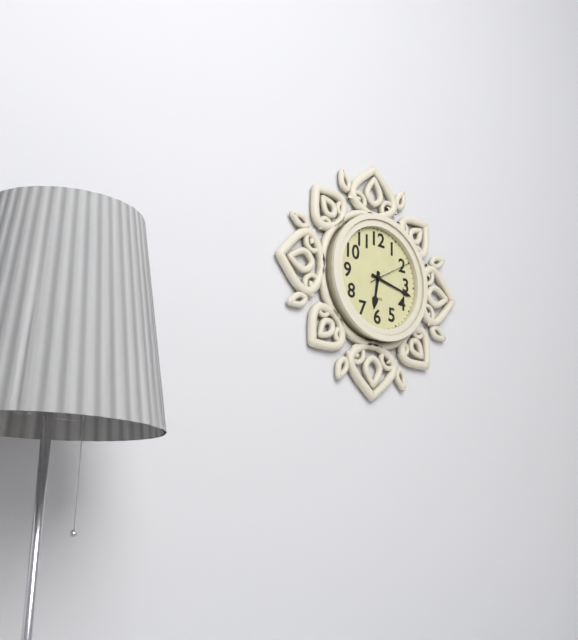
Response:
h=6 m=17
